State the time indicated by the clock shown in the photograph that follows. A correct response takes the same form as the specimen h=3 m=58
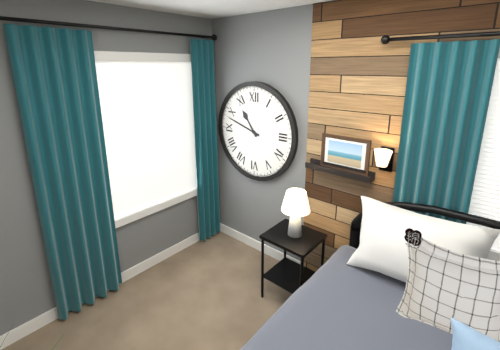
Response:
h=10 m=48
